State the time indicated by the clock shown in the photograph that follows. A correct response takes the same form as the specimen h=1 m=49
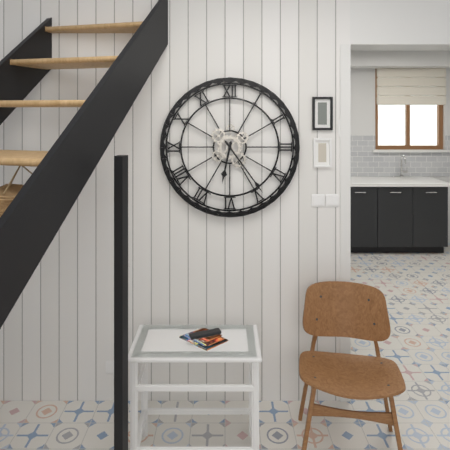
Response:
h=6 m=24
